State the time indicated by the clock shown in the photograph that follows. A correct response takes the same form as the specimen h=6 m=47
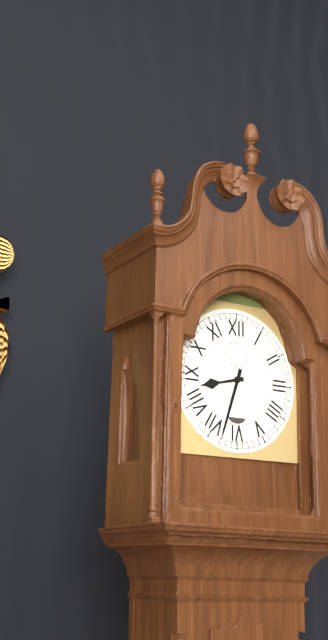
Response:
h=8 m=33
